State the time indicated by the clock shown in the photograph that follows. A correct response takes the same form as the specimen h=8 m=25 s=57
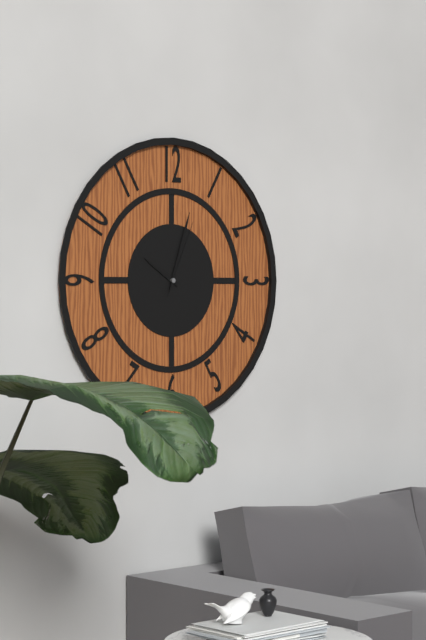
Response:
h=10 m=3 s=4
